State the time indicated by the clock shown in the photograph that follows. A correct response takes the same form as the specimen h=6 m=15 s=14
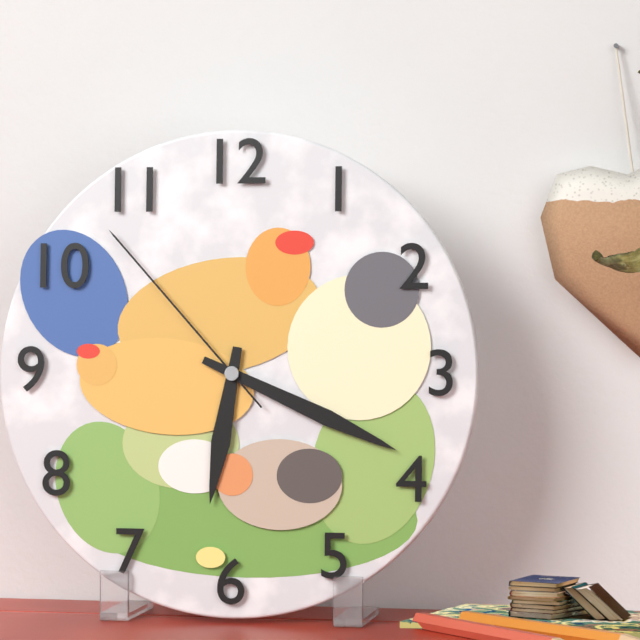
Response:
h=6 m=19 s=53
